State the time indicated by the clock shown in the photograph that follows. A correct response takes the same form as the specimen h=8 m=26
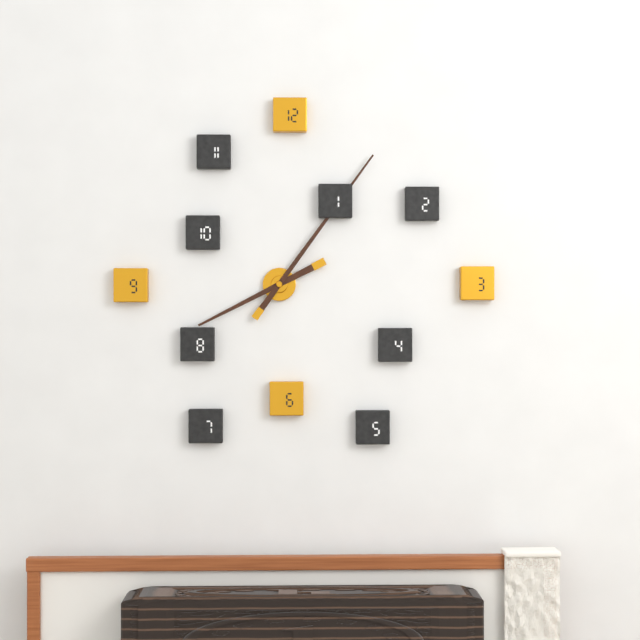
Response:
h=8 m=6
